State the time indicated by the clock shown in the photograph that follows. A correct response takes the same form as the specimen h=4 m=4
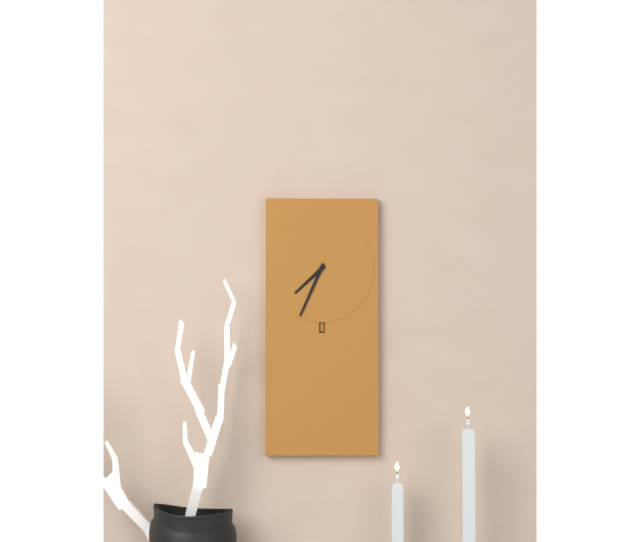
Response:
h=7 m=34
